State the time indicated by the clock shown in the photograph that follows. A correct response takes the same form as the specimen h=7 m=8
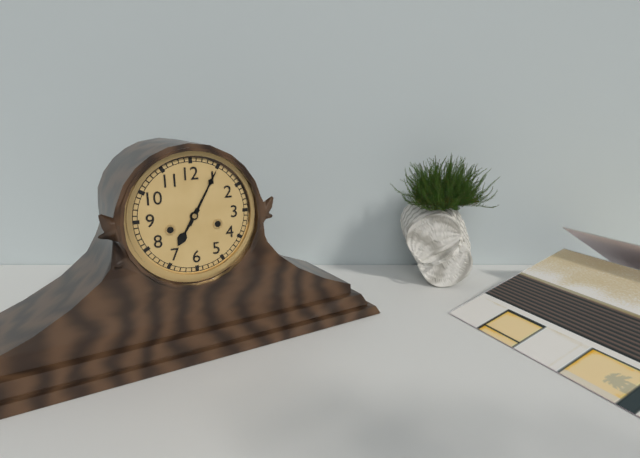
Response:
h=7 m=5
